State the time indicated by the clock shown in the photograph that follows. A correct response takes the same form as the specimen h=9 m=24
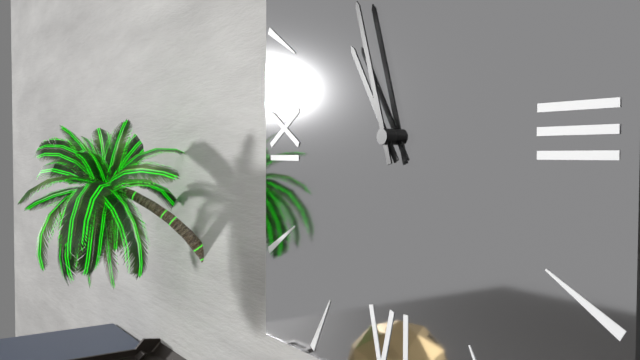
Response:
h=10 m=57
